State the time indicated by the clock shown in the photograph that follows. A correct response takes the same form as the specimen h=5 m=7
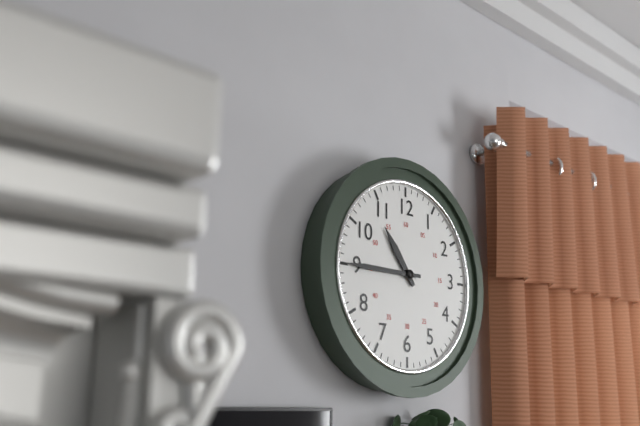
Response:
h=10 m=45
